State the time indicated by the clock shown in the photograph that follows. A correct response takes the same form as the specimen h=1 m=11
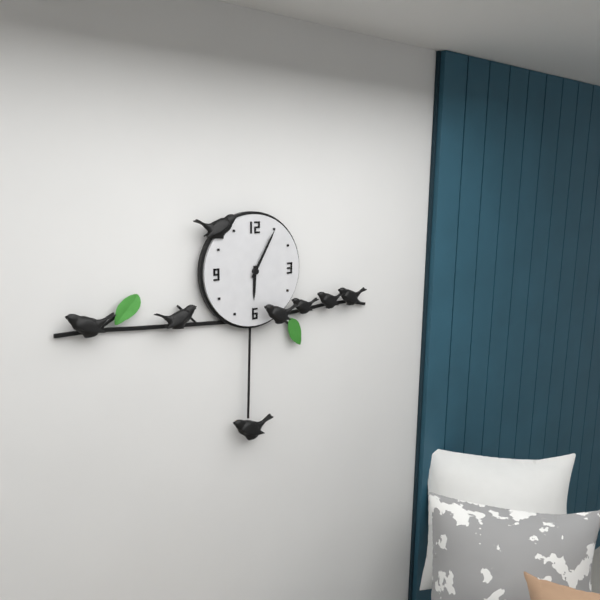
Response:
h=6 m=5
